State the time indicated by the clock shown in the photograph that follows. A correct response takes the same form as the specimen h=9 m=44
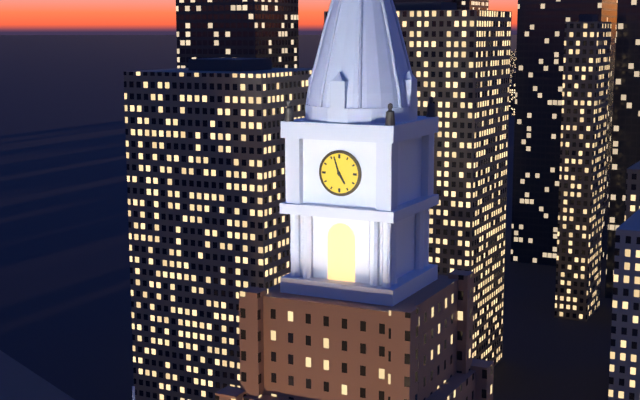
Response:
h=4 m=57
